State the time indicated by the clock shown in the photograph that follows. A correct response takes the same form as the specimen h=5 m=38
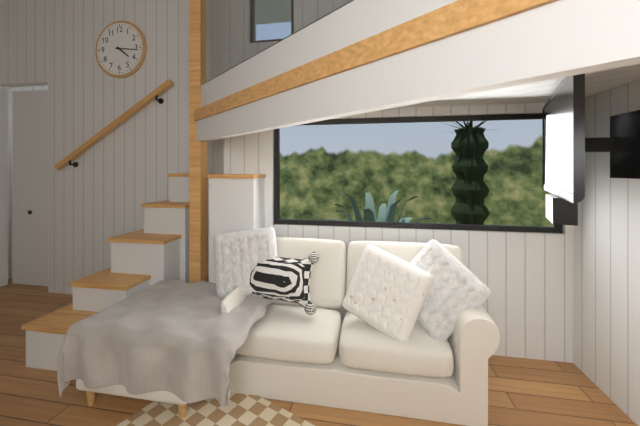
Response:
h=4 m=16
